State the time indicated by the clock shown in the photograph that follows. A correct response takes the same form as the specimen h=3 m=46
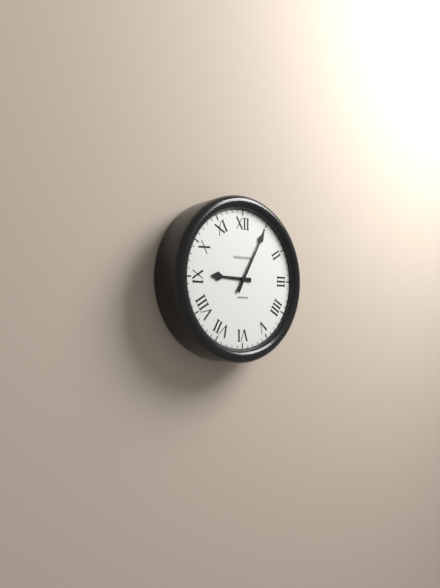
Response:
h=9 m=5
